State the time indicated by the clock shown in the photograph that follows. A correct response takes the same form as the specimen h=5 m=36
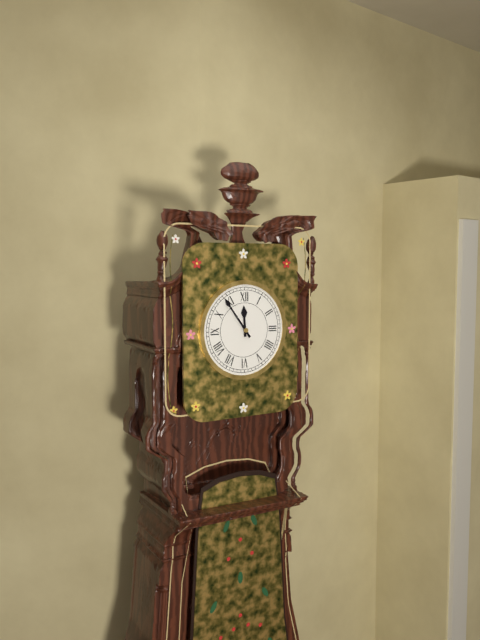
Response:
h=11 m=54
